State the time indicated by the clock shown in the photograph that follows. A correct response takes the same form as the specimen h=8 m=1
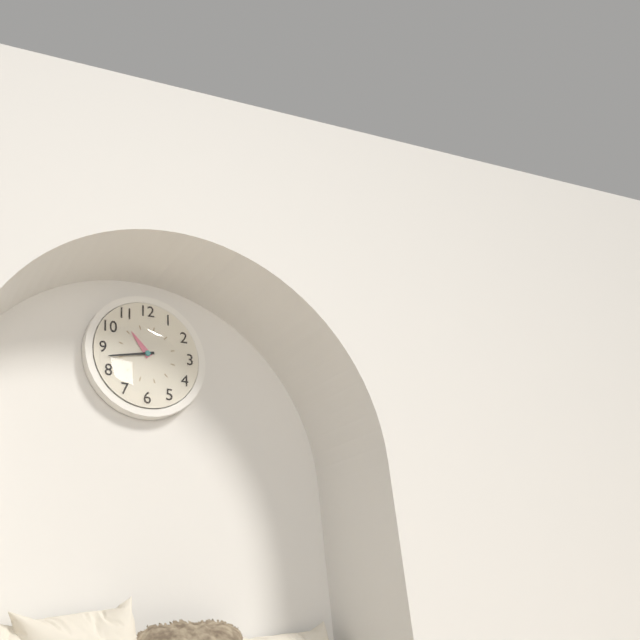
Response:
h=10 m=43
